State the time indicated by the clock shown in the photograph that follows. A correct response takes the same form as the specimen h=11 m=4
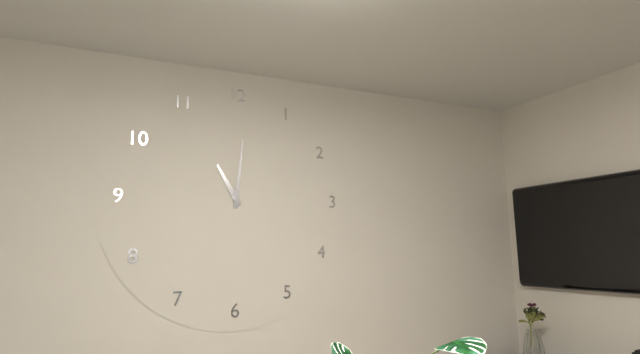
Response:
h=11 m=1
